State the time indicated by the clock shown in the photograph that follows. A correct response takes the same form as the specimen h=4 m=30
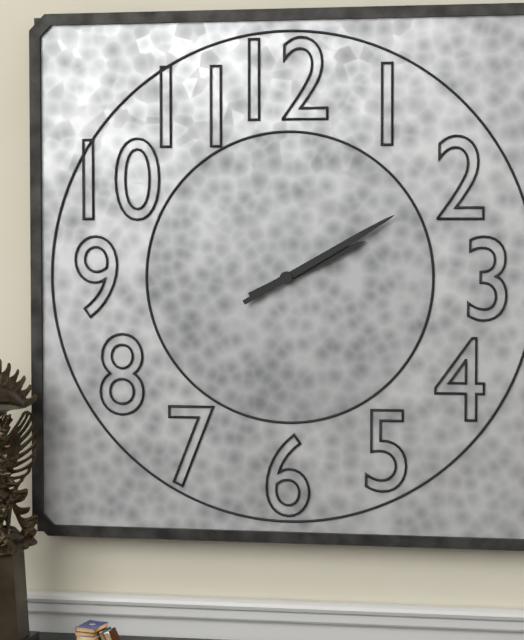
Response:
h=2 m=10
